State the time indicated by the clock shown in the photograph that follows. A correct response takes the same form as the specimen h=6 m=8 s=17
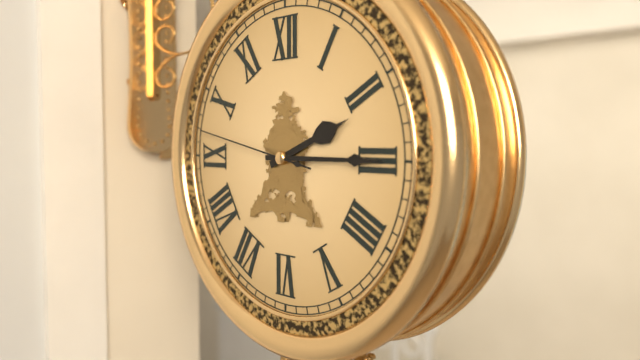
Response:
h=2 m=15 s=47
